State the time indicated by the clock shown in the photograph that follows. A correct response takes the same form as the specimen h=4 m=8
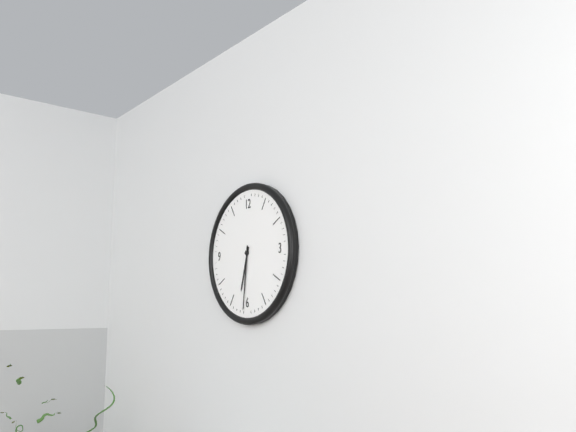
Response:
h=6 m=31
